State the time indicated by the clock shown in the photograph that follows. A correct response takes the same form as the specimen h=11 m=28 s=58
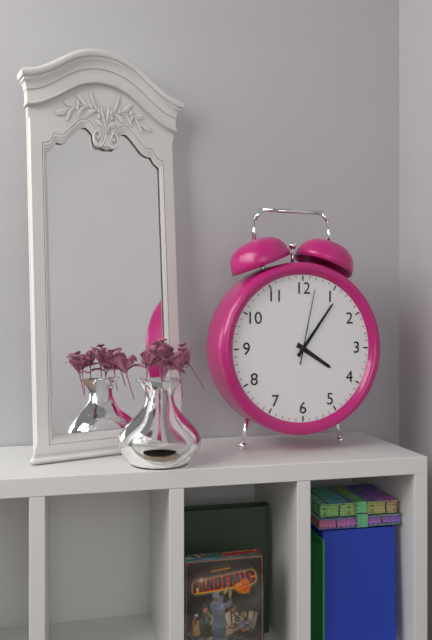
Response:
h=4 m=6 s=2
